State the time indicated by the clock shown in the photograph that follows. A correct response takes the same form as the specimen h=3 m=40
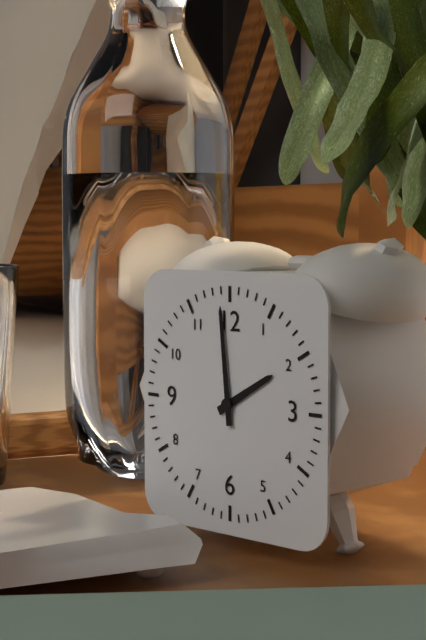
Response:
h=1 m=59
